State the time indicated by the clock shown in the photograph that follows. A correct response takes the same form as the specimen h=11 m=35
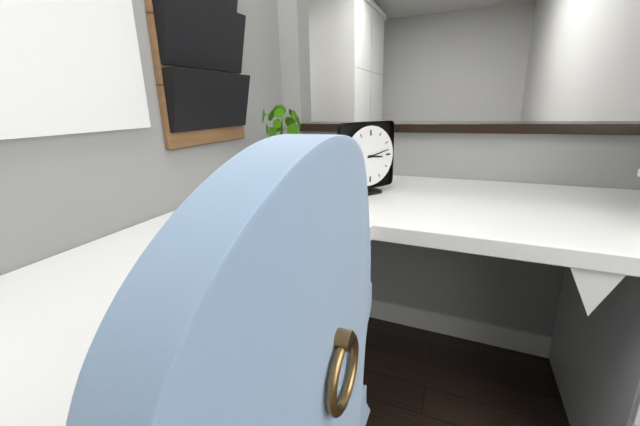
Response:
h=3 m=13
